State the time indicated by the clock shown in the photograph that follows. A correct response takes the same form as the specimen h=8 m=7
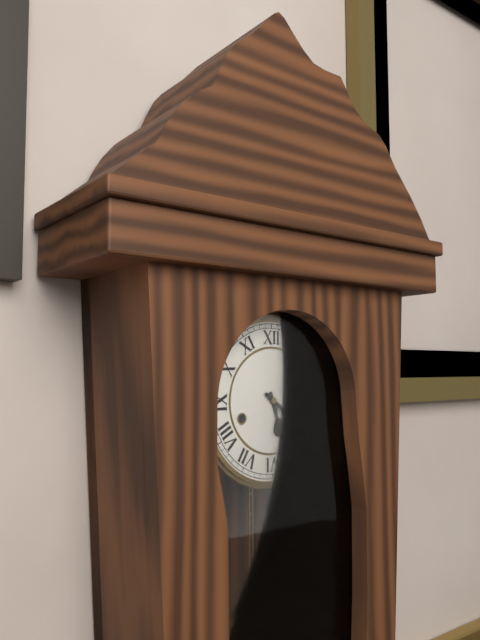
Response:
h=5 m=21
